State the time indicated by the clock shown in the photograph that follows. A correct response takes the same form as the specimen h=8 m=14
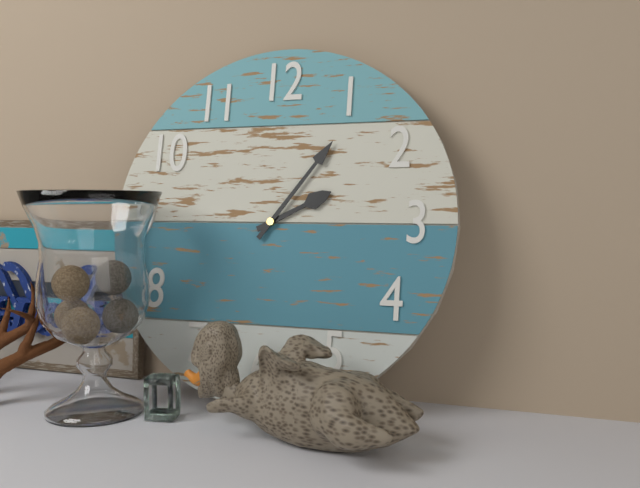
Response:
h=2 m=6
